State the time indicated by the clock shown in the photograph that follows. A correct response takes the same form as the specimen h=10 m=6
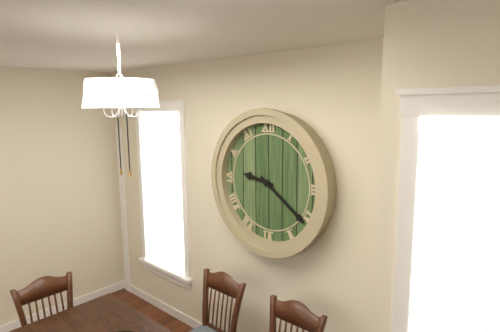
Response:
h=9 m=21
